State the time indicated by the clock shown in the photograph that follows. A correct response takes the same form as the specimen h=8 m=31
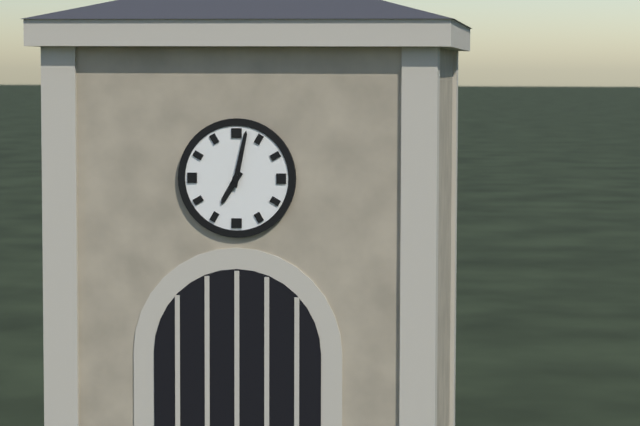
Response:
h=7 m=2
